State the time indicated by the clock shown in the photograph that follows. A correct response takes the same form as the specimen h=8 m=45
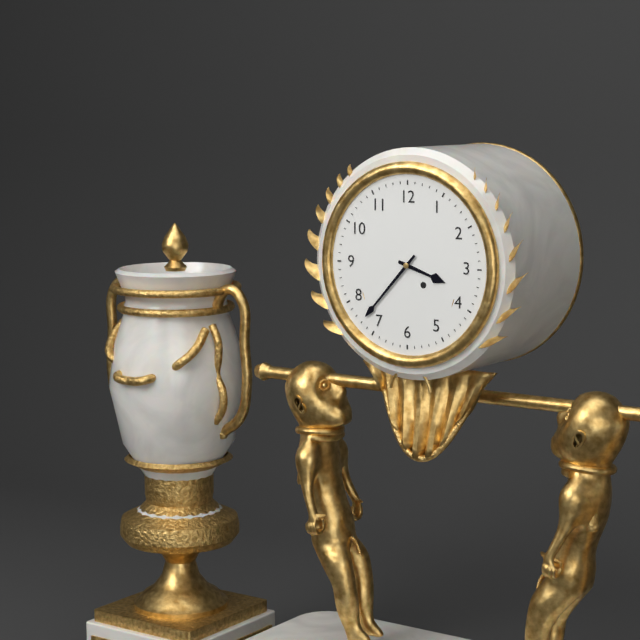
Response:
h=3 m=37
